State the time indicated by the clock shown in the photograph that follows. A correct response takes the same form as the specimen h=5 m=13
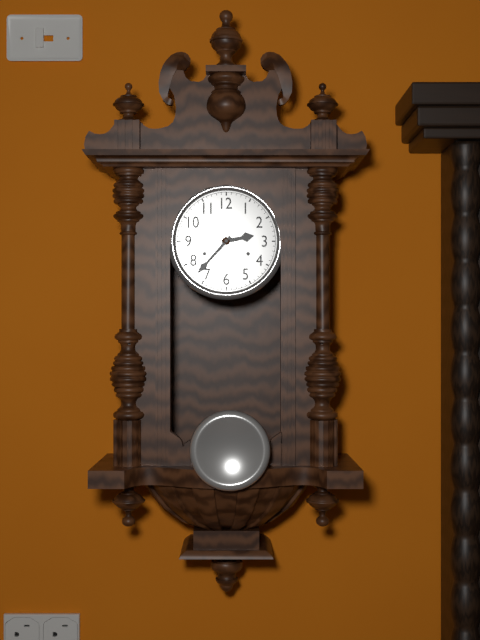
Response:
h=2 m=37
